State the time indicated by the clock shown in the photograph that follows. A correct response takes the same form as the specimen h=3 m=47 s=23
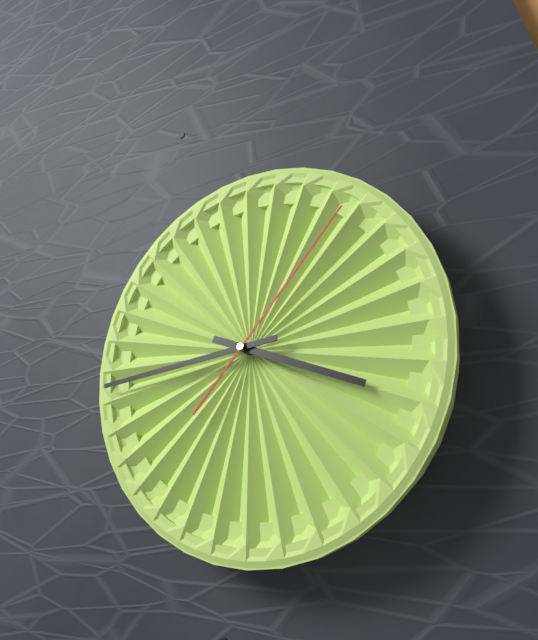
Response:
h=3 m=44 s=7
